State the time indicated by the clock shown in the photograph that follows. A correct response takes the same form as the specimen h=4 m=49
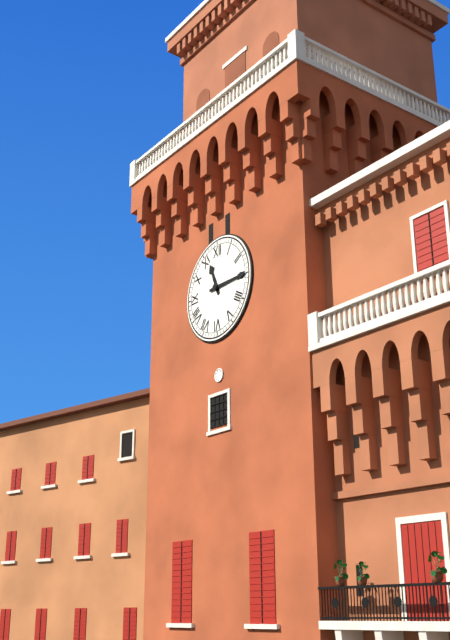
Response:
h=11 m=15
